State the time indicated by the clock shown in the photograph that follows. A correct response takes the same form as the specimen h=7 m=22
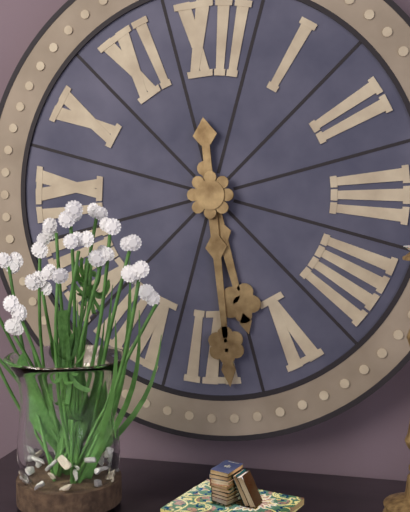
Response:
h=5 m=29
